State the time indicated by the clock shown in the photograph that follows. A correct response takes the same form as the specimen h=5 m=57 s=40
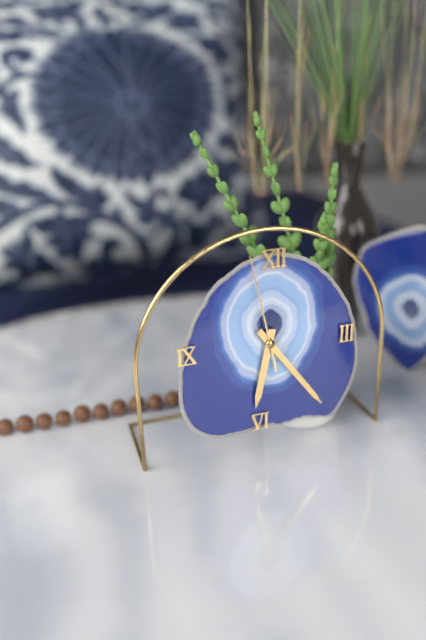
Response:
h=6 m=24 s=58
